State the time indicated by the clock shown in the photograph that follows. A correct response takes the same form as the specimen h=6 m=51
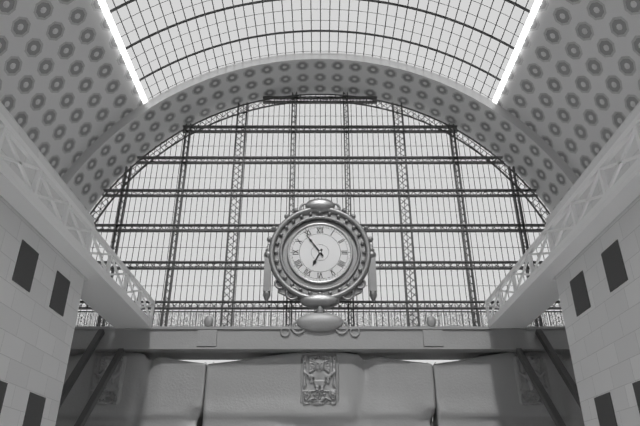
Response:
h=6 m=54
